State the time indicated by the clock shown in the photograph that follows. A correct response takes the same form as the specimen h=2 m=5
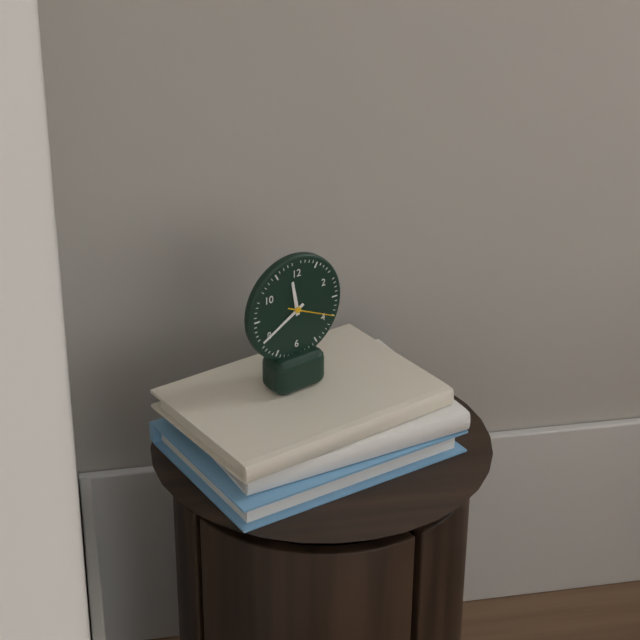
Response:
h=11 m=40
